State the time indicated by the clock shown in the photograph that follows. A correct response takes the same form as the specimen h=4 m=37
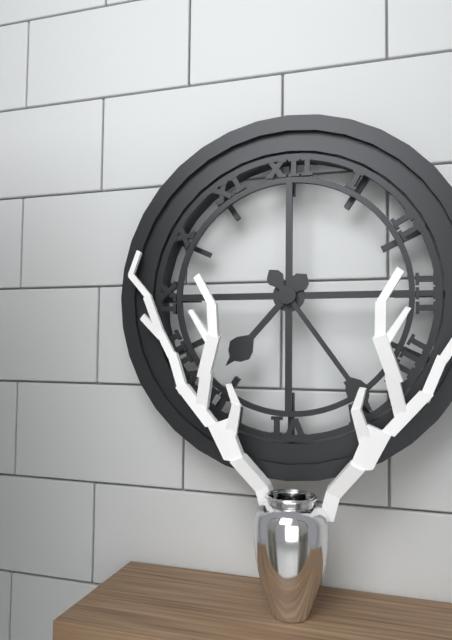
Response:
h=7 m=24
